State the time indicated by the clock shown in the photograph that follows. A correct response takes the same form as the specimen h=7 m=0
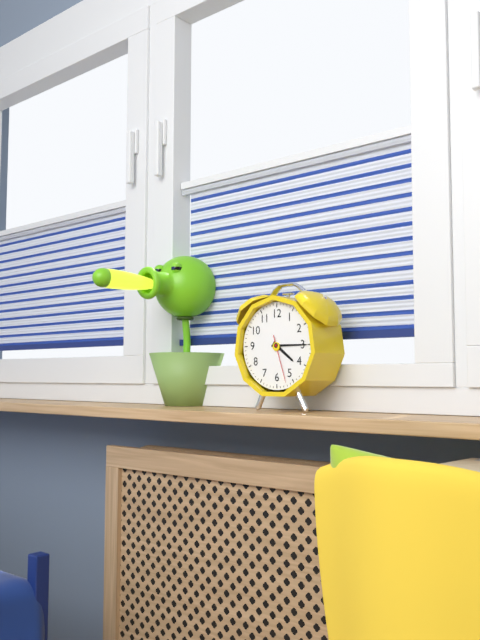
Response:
h=4 m=15
